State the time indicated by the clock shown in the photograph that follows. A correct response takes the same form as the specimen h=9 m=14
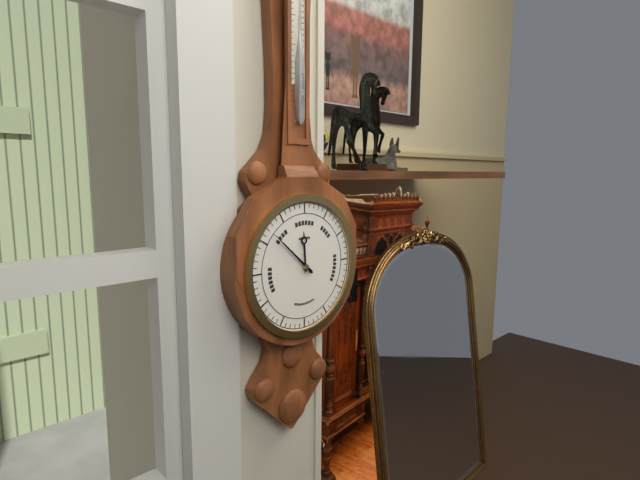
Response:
h=11 m=52
